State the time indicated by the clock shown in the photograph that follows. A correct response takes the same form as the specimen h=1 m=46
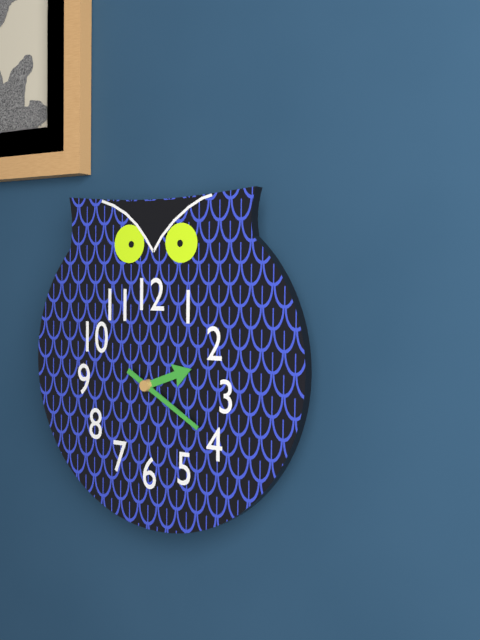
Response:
h=2 m=20
